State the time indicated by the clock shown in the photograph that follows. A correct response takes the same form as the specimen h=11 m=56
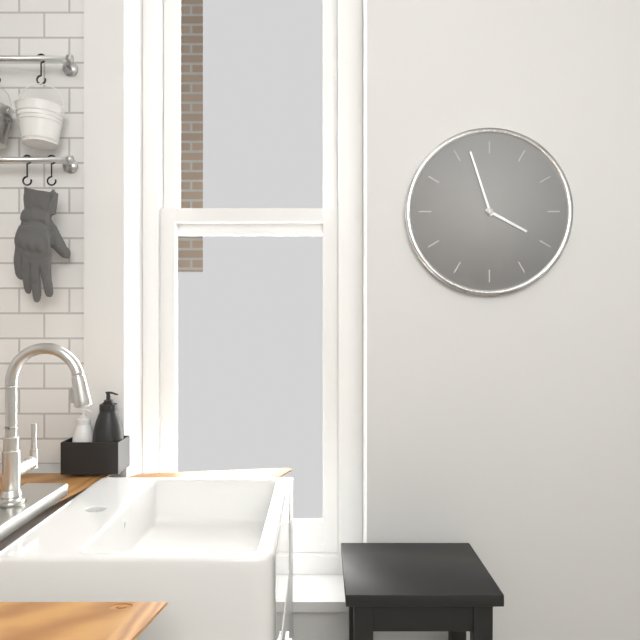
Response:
h=3 m=57
